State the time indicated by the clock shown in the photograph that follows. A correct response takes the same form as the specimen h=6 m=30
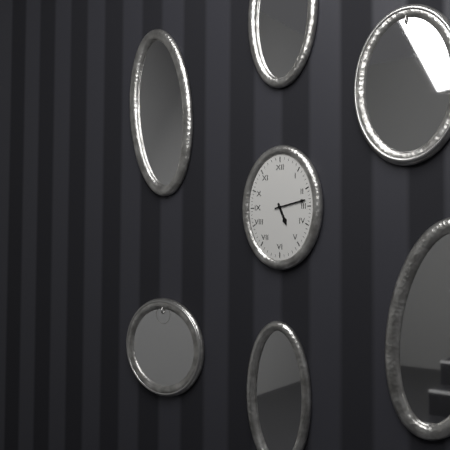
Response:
h=5 m=13
